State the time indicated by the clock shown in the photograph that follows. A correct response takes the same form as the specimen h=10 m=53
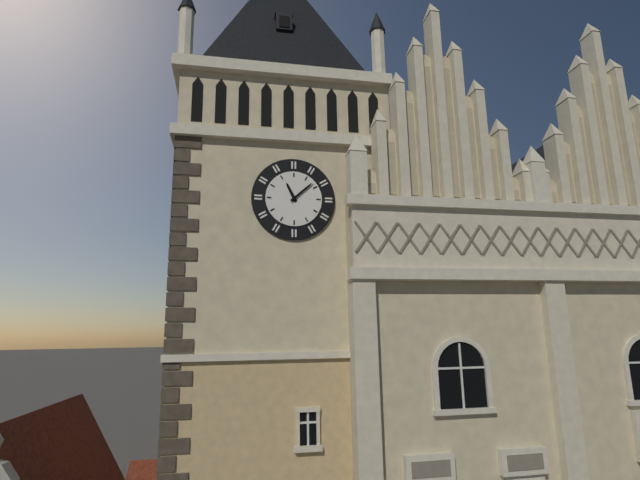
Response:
h=11 m=8
